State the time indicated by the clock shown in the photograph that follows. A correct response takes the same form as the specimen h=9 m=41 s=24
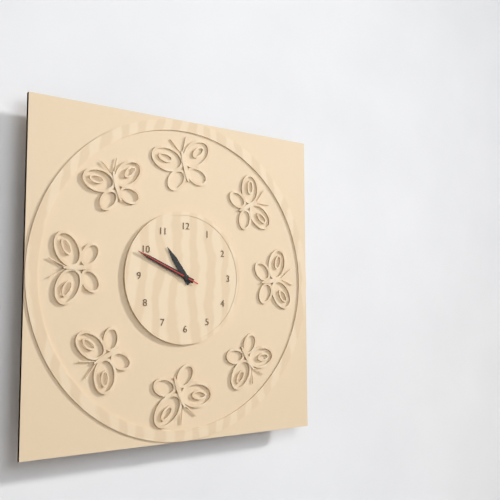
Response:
h=10 m=49 s=49
